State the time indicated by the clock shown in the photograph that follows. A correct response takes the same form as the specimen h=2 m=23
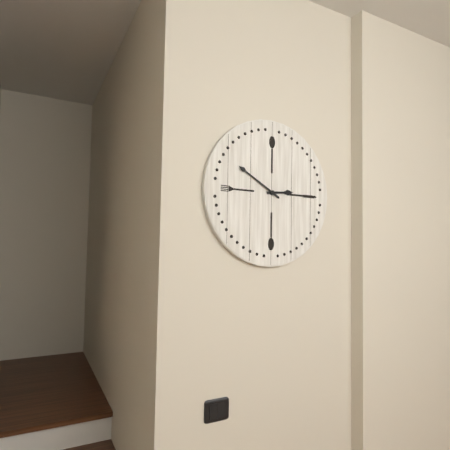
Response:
h=2 m=50
